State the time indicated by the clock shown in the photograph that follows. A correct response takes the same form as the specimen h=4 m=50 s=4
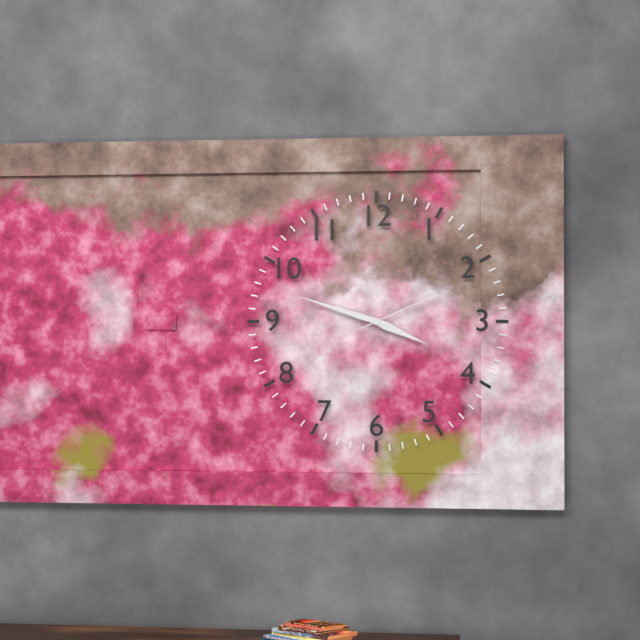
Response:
h=3 m=48 s=11
